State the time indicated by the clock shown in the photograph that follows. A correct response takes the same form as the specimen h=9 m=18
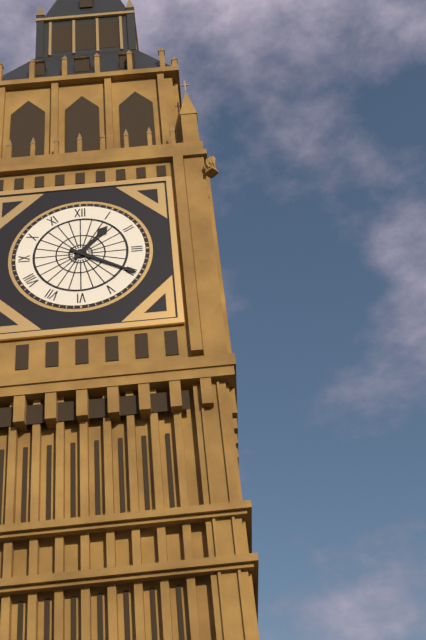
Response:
h=1 m=20
